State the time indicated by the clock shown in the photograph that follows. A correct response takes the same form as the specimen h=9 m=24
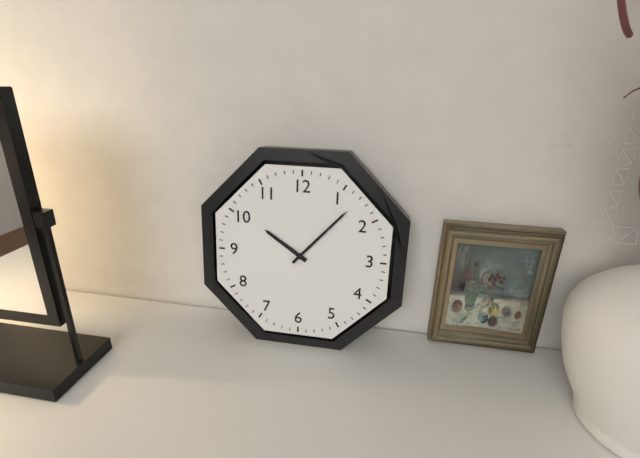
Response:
h=10 m=7
